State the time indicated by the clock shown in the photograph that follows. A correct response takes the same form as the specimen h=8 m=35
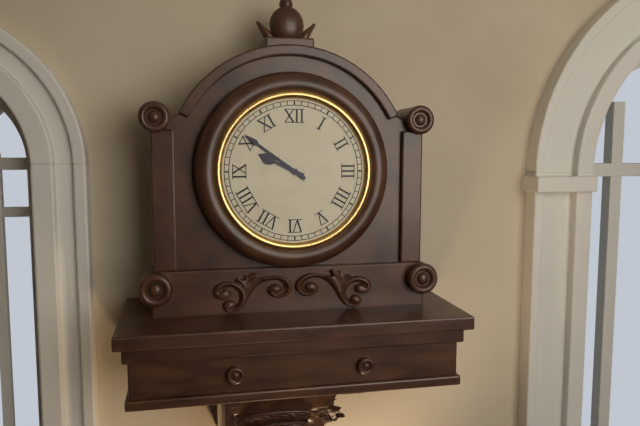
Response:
h=9 m=51
